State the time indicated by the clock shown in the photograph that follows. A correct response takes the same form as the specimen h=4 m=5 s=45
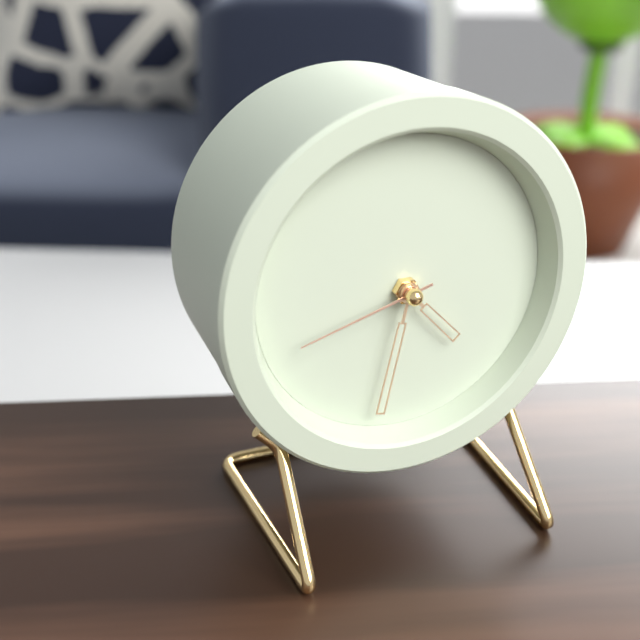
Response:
h=4 m=32 s=42
